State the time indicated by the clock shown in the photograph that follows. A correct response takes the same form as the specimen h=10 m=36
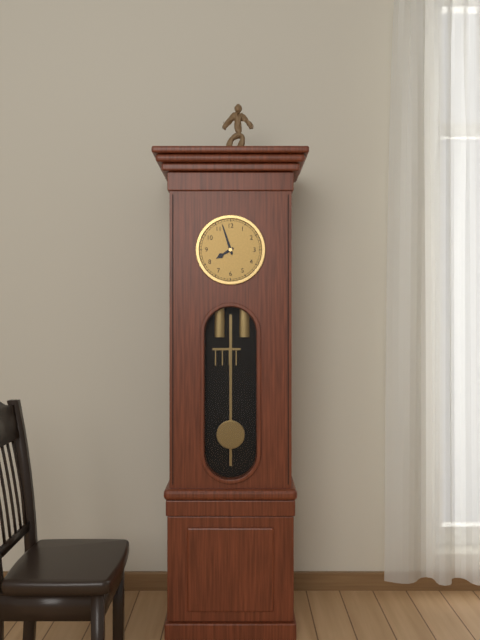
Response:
h=7 m=57
